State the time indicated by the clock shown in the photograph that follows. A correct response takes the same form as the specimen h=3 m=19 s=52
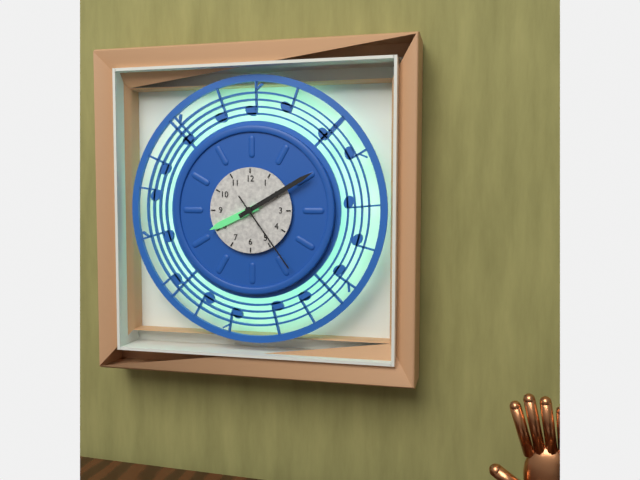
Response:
h=8 m=10 s=24
